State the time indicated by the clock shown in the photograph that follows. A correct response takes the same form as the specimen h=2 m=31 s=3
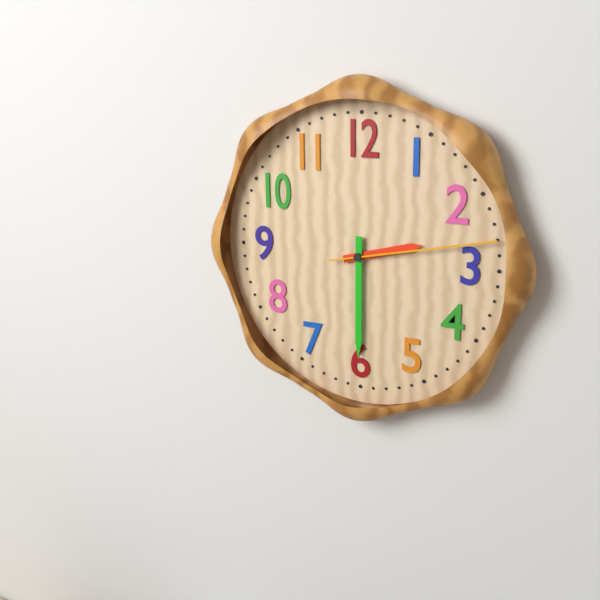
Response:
h=2 m=30 s=13
